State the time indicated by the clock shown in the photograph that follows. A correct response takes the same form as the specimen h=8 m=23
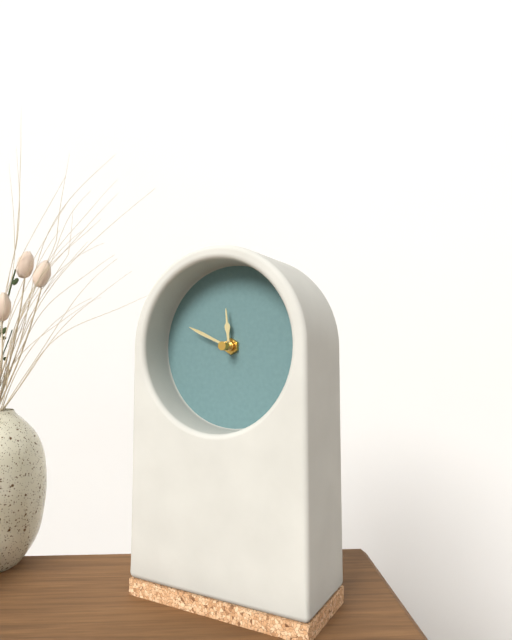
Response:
h=11 m=49
